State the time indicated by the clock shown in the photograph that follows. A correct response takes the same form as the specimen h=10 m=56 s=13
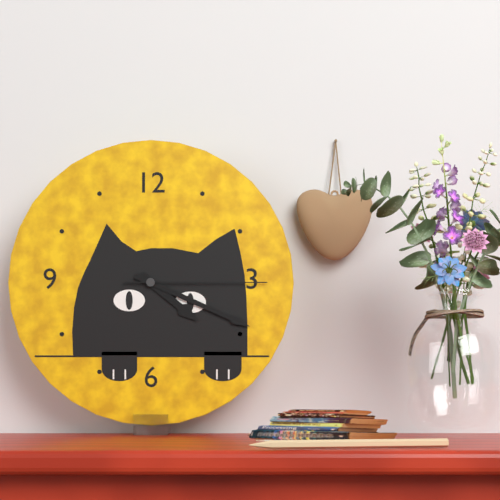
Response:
h=4 m=19 s=15
